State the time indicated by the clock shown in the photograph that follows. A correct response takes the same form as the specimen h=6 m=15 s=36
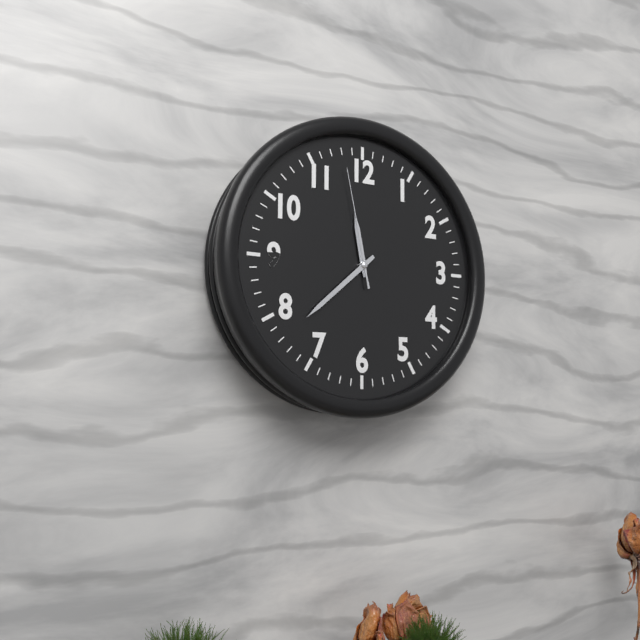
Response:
h=11 m=38 s=58
